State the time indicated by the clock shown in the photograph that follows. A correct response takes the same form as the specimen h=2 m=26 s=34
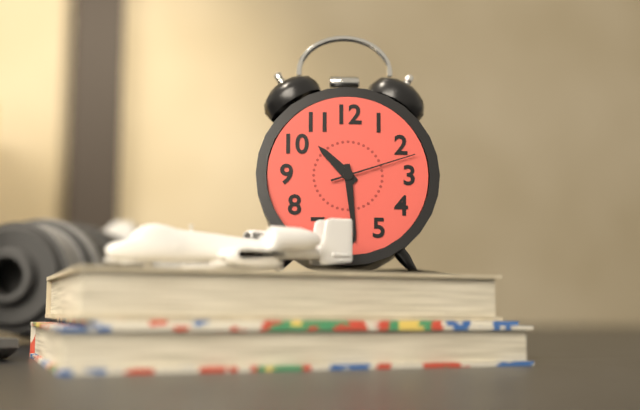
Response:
h=10 m=29 s=12
